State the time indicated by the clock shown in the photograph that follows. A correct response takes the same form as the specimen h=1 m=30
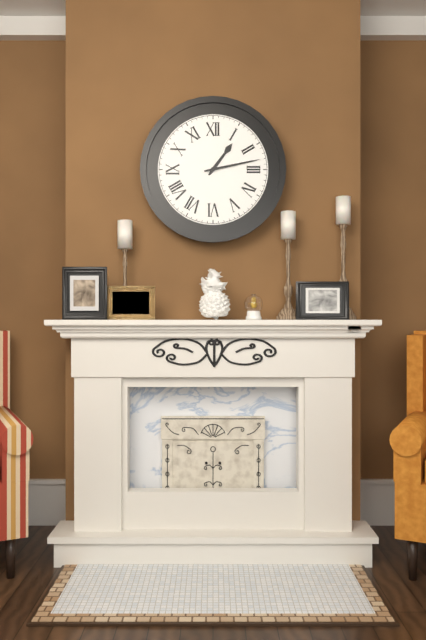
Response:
h=1 m=13
